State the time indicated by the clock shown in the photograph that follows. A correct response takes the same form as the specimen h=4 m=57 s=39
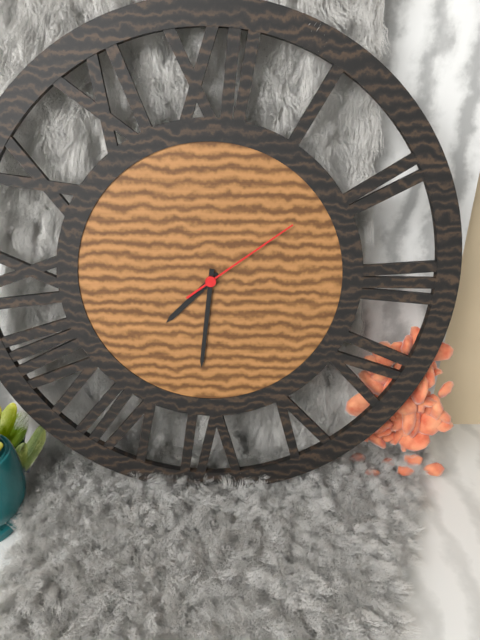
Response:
h=7 m=31 s=9
